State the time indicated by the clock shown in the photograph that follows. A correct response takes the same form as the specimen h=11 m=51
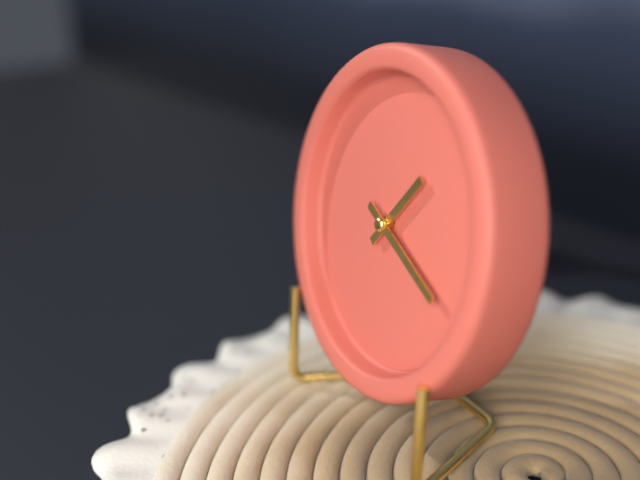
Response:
h=1 m=19
